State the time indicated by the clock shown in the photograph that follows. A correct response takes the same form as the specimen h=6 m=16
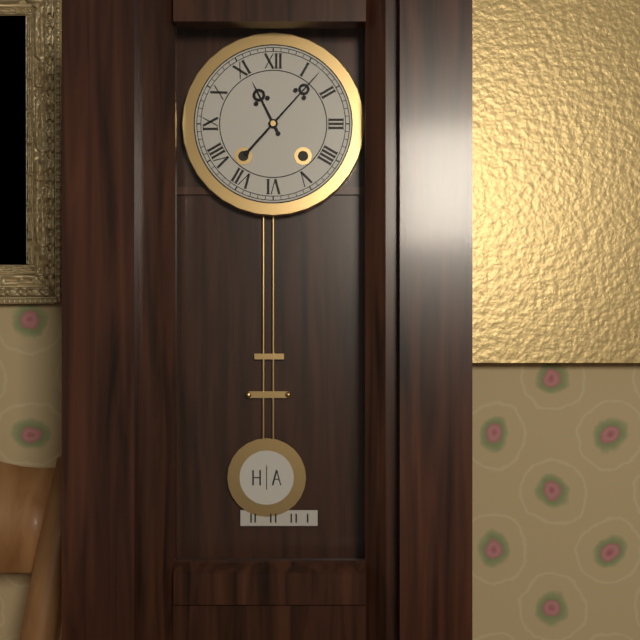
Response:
h=11 m=7
